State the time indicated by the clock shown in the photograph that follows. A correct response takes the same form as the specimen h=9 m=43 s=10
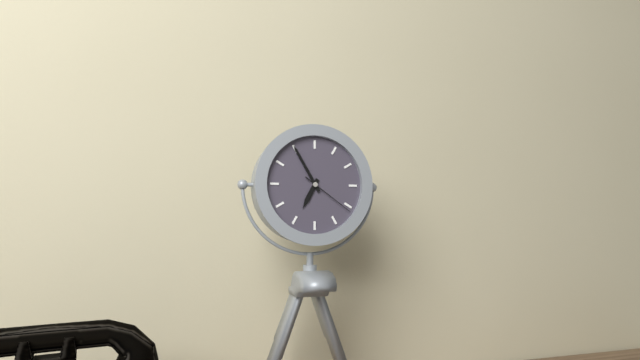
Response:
h=6 m=55 s=21
